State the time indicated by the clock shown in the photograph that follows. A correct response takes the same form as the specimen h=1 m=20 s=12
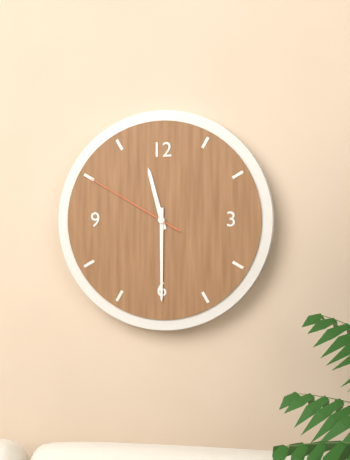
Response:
h=11 m=30 s=50
